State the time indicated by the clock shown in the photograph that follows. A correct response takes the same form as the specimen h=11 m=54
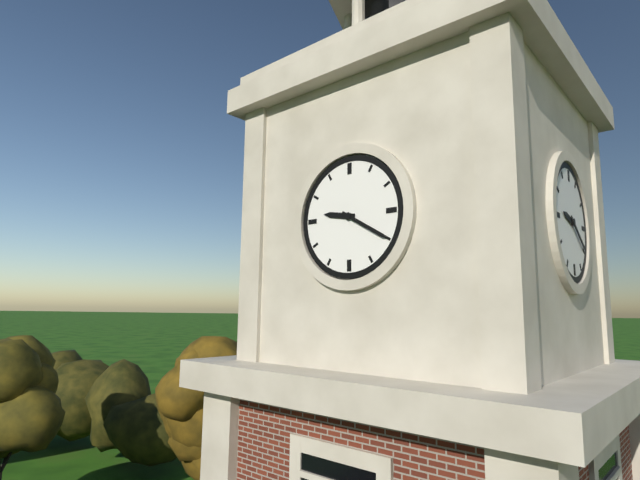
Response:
h=9 m=20
